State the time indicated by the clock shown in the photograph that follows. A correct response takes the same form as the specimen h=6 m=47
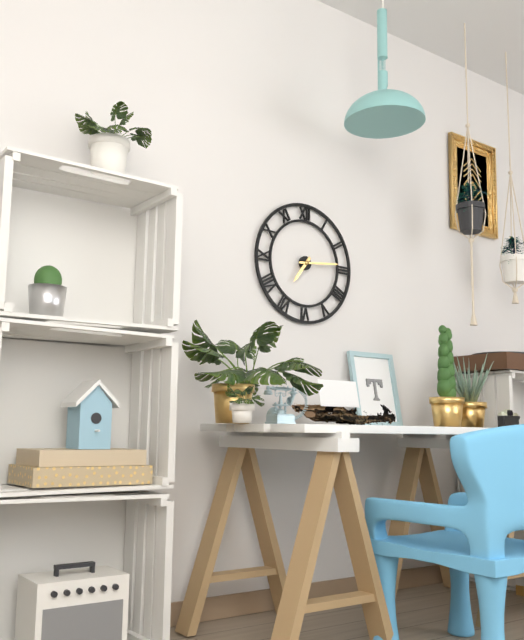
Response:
h=7 m=14
